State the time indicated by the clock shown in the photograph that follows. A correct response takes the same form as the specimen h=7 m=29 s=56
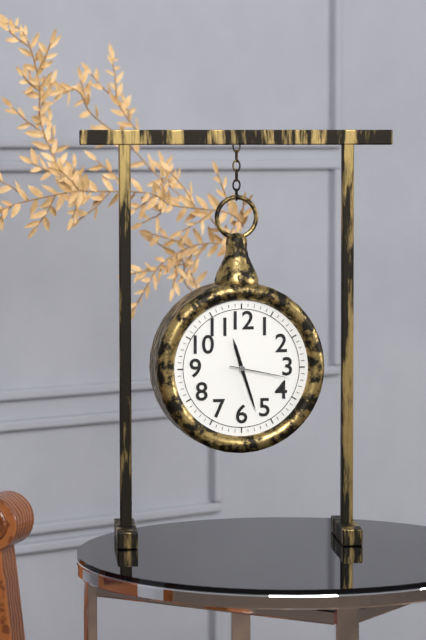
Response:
h=11 m=27 s=17
